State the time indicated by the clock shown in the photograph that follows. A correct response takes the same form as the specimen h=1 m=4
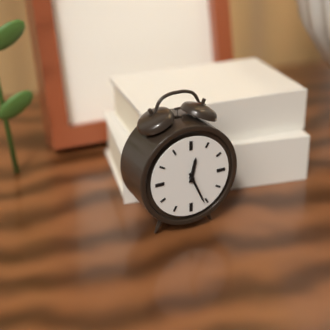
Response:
h=12 m=26
